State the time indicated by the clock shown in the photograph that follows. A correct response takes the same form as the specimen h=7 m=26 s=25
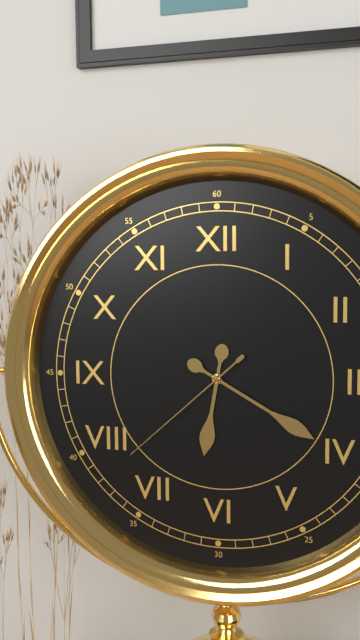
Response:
h=6 m=20 s=38
